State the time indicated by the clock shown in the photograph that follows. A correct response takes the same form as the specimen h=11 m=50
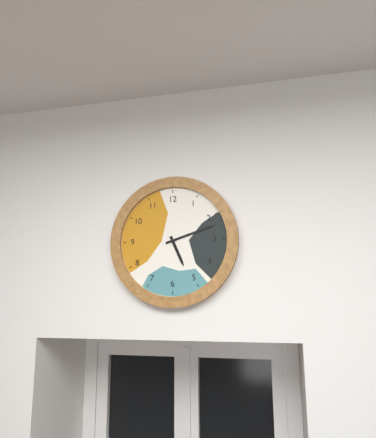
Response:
h=5 m=12
